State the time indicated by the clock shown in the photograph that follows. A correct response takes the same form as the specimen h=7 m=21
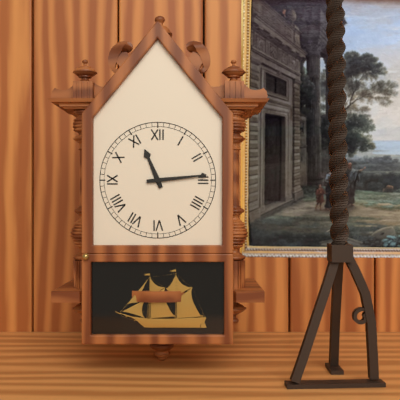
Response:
h=11 m=14
